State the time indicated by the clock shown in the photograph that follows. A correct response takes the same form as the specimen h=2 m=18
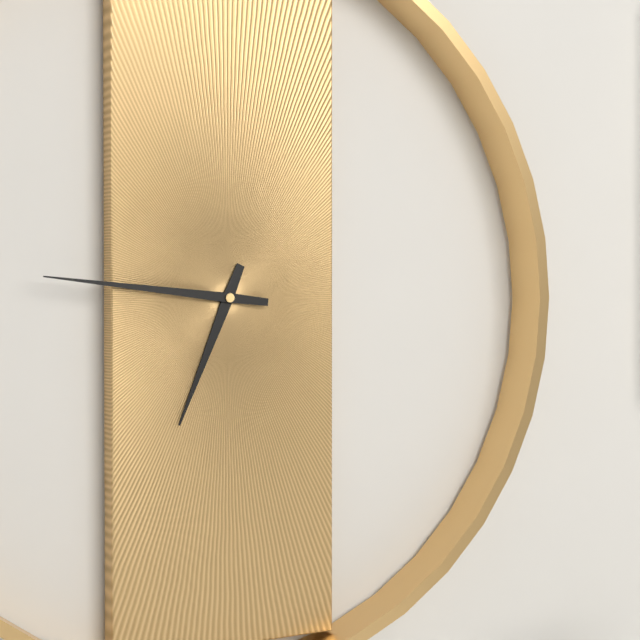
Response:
h=6 m=46
